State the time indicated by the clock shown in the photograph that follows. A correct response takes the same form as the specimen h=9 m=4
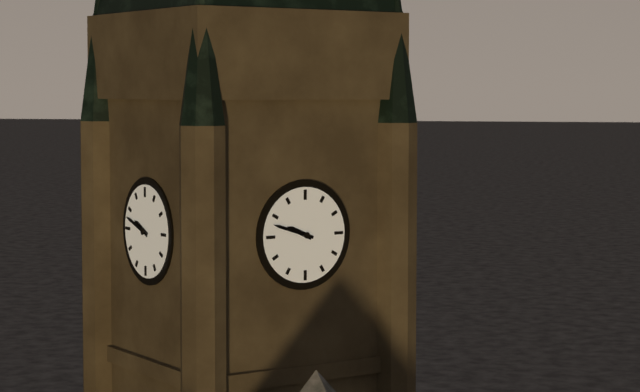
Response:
h=9 m=48
